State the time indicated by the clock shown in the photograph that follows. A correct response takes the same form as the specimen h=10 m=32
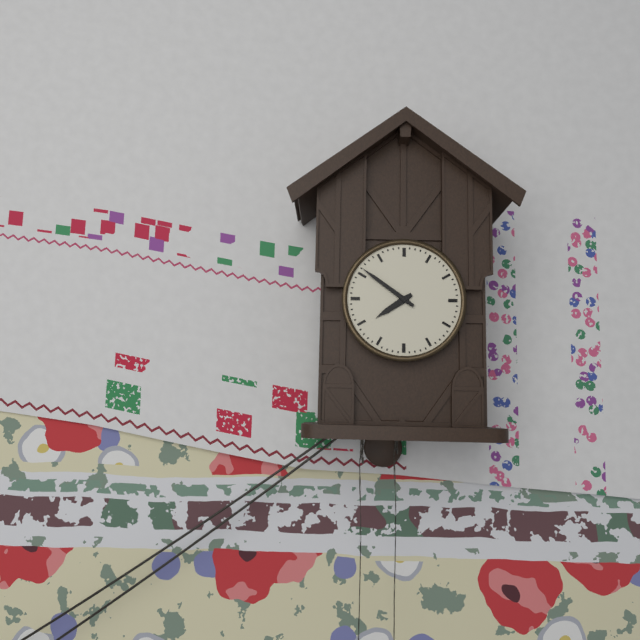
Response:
h=7 m=51
